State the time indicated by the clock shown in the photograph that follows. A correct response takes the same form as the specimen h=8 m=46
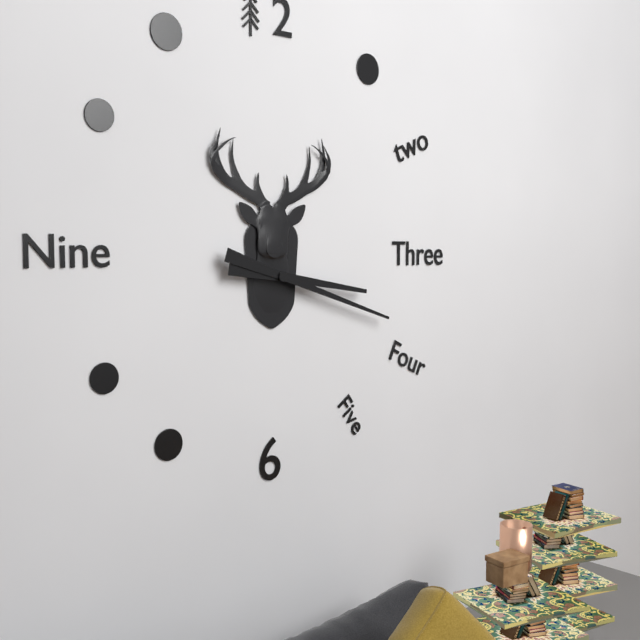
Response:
h=3 m=18
